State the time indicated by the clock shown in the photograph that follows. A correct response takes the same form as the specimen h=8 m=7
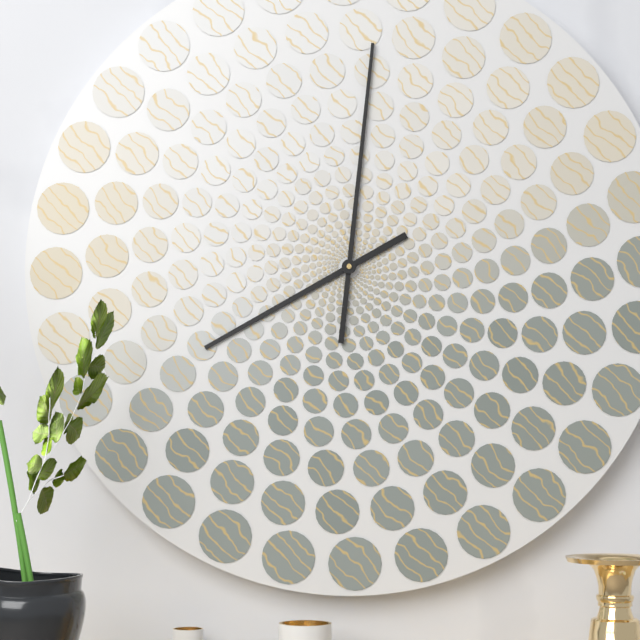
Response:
h=8 m=1
